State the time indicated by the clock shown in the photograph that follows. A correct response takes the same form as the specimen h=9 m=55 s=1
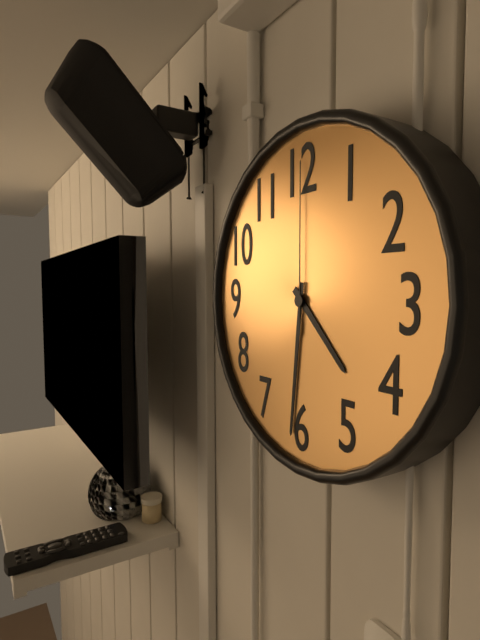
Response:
h=4 m=31 s=0
